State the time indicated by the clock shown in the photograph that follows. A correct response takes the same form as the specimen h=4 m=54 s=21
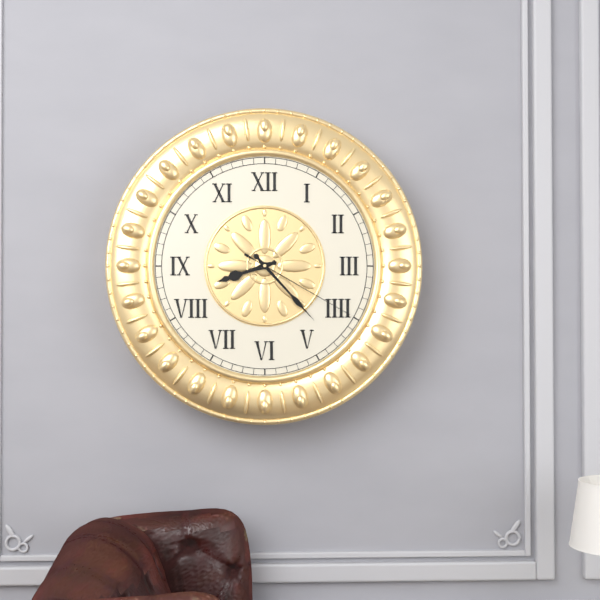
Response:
h=8 m=23 s=20
